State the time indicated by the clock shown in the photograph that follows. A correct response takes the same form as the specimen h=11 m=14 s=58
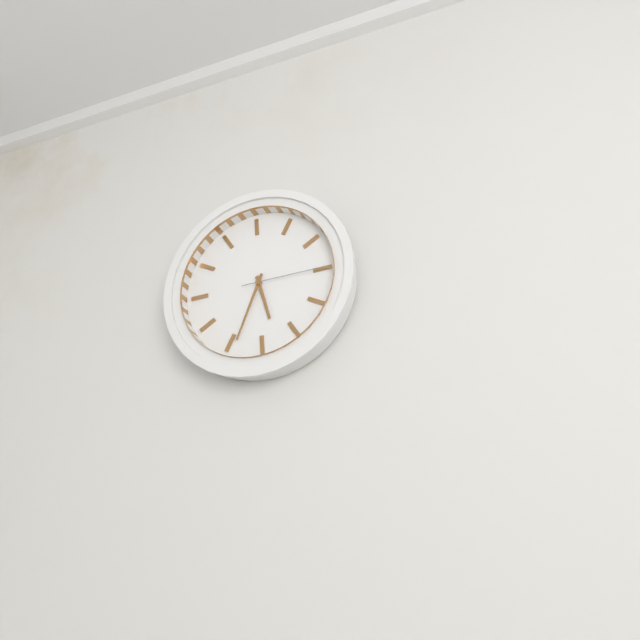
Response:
h=5 m=34 s=15
